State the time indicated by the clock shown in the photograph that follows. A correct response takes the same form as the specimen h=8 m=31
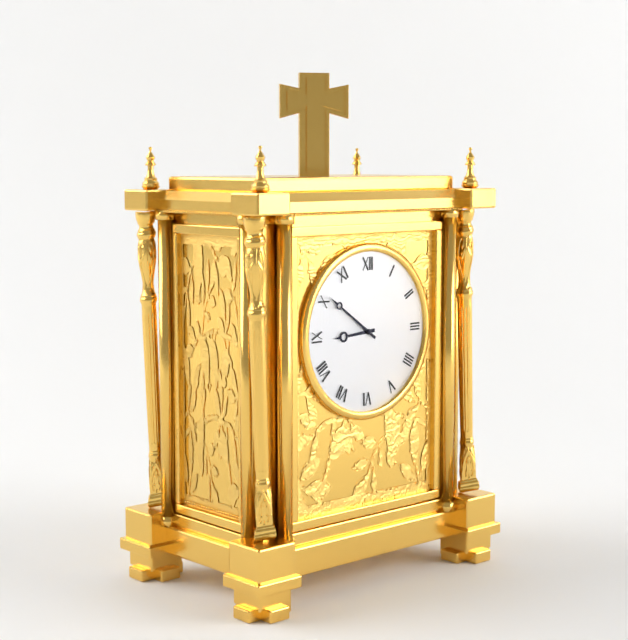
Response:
h=8 m=51
